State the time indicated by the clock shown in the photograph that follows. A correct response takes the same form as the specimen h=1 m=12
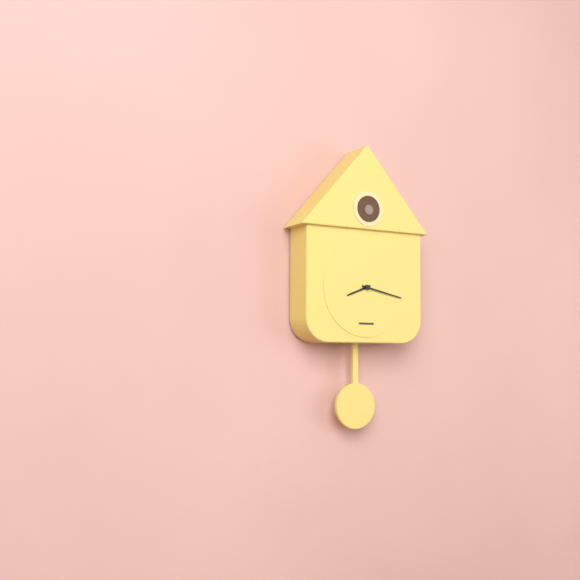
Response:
h=8 m=17
